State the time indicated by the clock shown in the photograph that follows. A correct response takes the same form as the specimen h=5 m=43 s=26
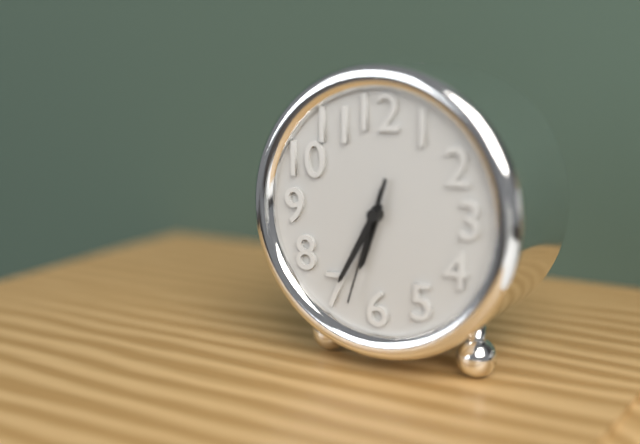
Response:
h=6 m=35 s=33
